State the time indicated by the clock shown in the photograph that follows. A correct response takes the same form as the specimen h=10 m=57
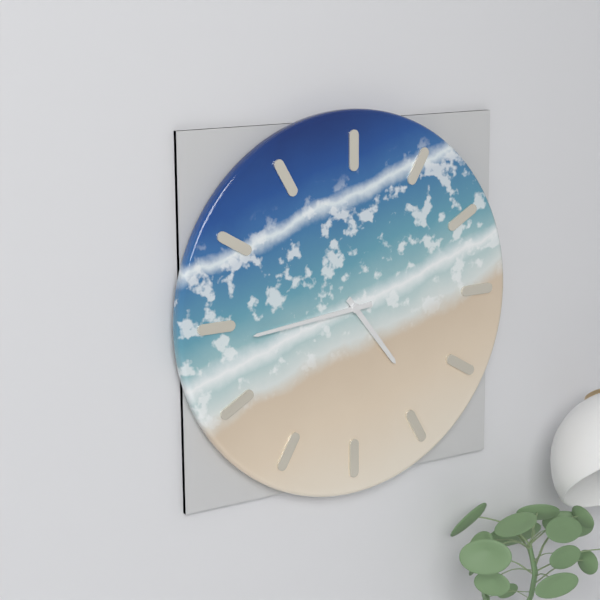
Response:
h=4 m=44
